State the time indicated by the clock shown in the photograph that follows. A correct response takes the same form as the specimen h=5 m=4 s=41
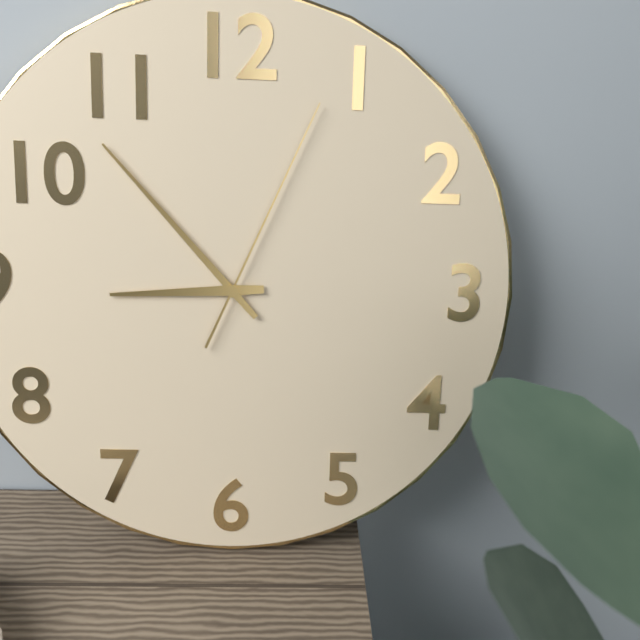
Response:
h=8 m=53 s=4
